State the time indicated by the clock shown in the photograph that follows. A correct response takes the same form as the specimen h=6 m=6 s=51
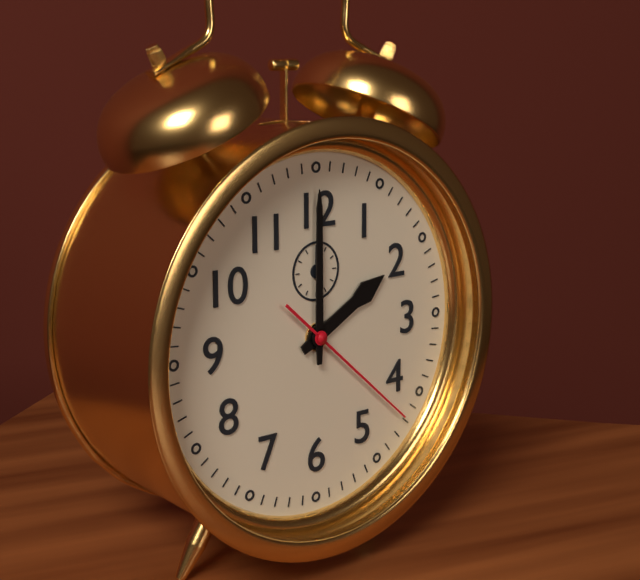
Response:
h=2 m=0 s=22
